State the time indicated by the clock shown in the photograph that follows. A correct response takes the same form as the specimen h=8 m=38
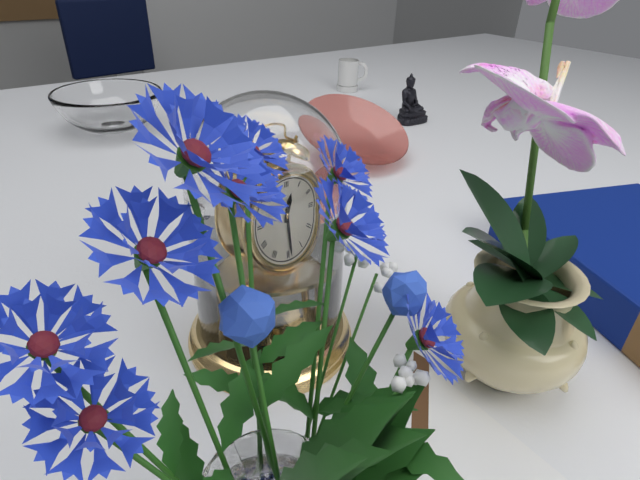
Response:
h=12 m=29
